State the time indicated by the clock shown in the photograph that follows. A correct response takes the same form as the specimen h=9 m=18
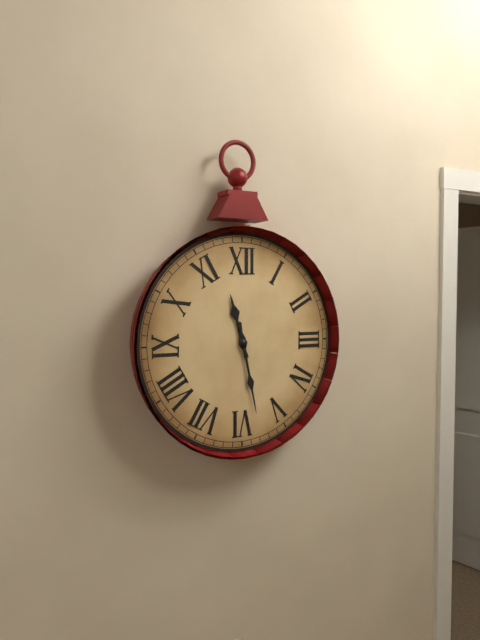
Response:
h=11 m=28
